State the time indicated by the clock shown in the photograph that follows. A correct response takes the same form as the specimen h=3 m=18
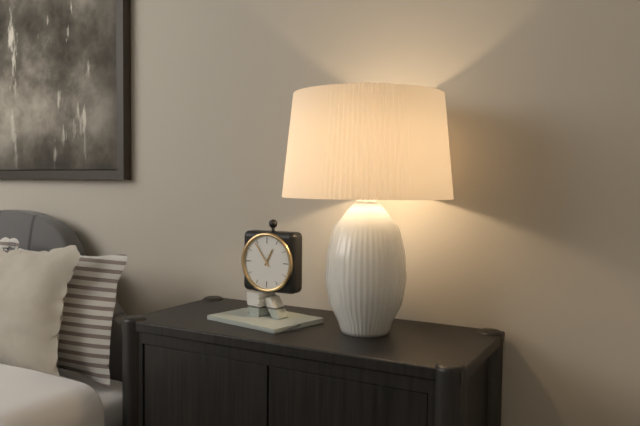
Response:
h=12 m=54
